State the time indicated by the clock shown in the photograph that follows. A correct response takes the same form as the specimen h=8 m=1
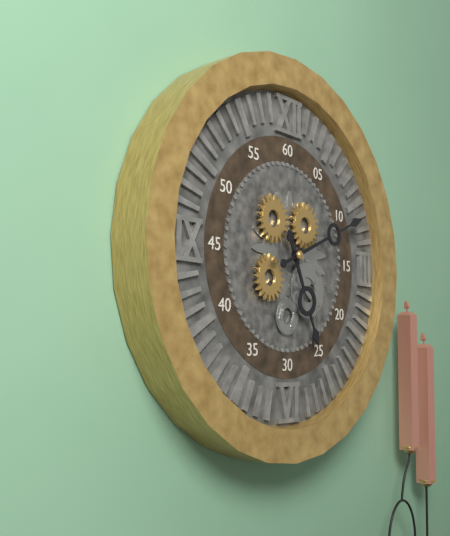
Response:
h=5 m=11
